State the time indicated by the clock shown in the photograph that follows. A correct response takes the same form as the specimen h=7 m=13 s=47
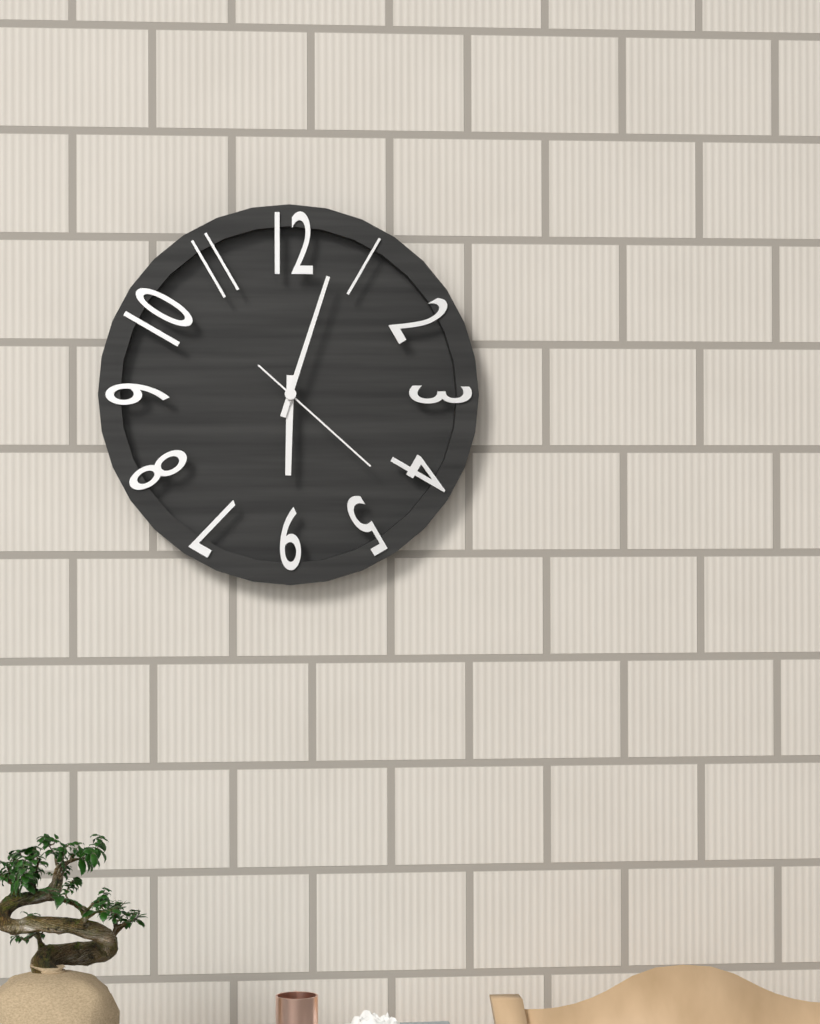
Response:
h=6 m=3 s=22
